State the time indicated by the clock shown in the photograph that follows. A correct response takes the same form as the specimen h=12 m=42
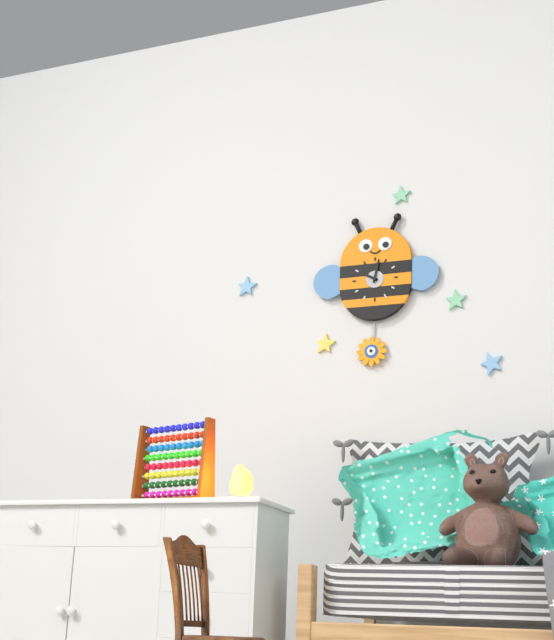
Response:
h=10 m=2
